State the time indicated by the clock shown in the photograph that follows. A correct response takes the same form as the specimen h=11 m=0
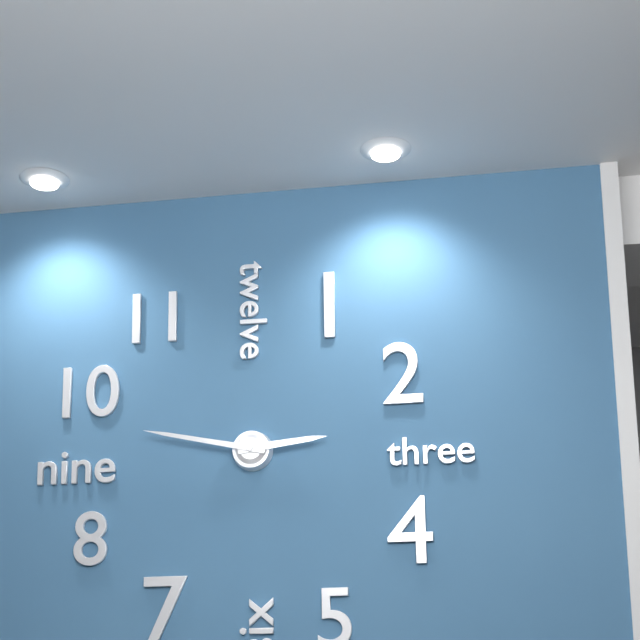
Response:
h=2 m=47
